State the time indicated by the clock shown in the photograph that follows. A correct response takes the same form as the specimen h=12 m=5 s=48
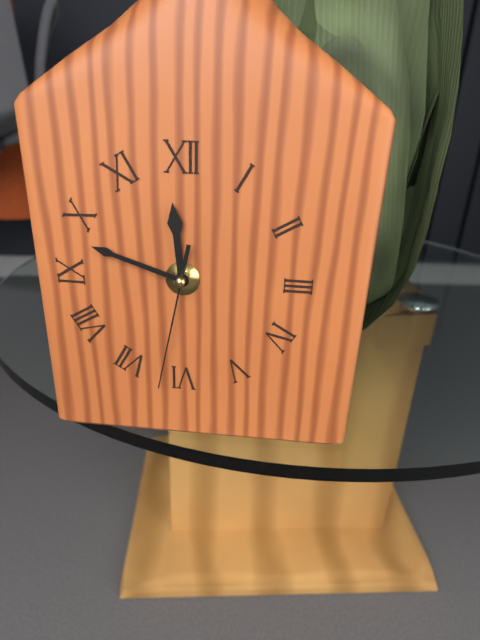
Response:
h=11 m=48 s=32
